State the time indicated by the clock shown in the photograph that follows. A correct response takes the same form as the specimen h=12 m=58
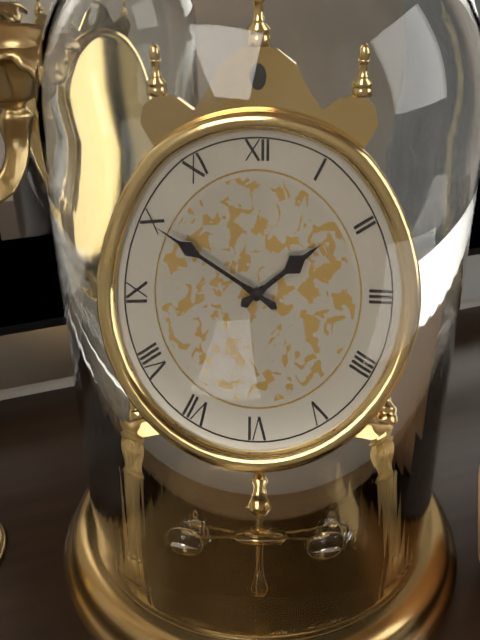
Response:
h=1 m=50
